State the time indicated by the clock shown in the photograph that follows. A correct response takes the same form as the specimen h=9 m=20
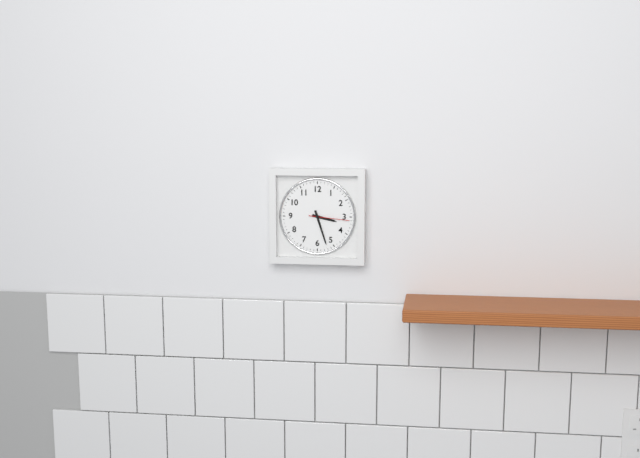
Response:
h=3 m=27
